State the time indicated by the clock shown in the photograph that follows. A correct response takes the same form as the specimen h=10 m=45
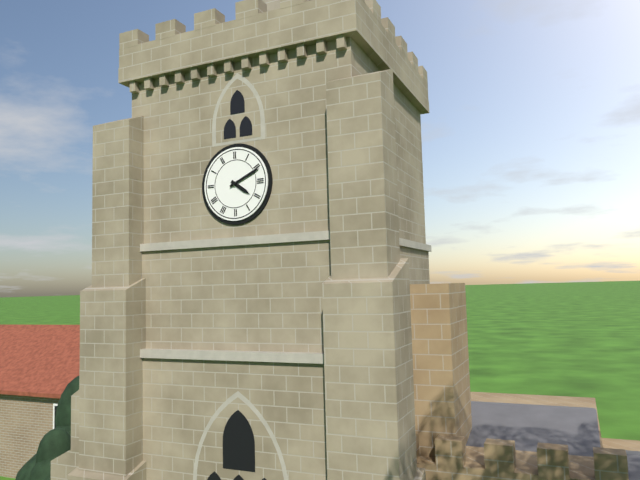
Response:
h=4 m=11
